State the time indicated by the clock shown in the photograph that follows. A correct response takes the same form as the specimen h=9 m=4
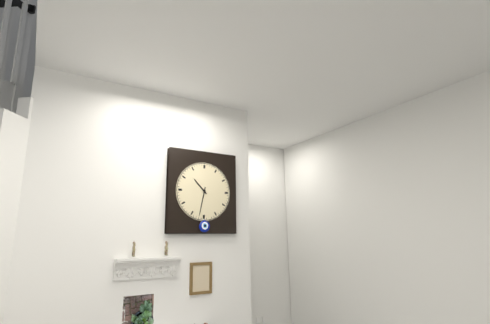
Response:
h=10 m=32
